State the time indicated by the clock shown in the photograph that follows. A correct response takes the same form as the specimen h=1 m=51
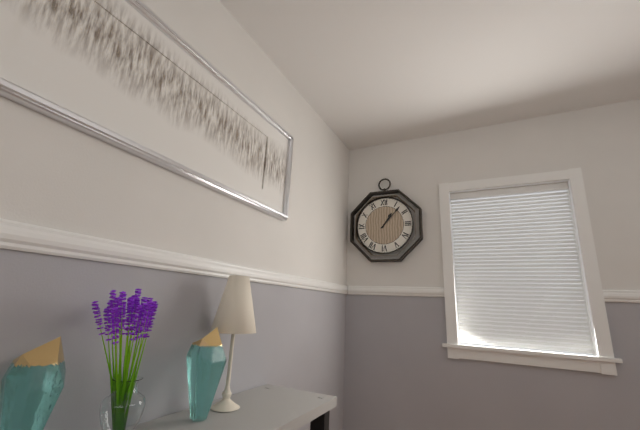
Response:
h=1 m=7
